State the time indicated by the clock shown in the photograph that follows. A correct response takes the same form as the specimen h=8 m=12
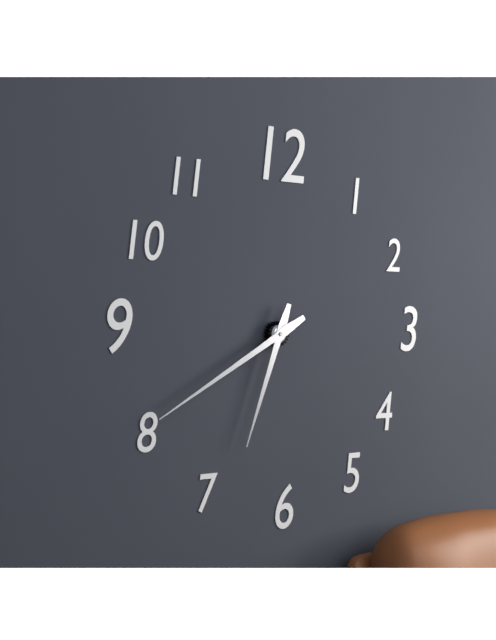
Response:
h=6 m=40
